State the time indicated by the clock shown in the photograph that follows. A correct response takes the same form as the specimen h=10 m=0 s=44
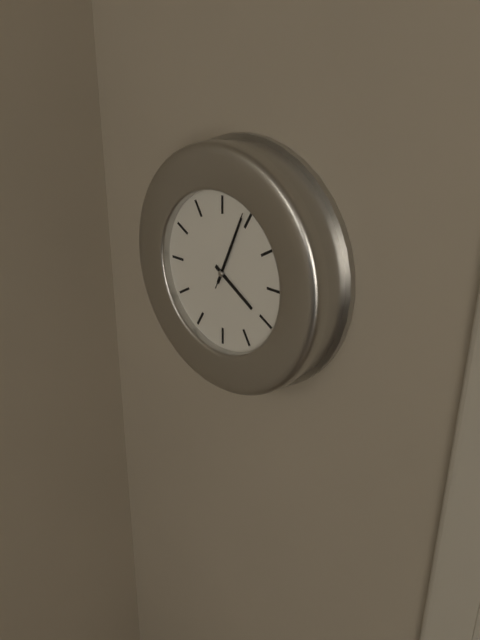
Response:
h=4 m=4 s=4
